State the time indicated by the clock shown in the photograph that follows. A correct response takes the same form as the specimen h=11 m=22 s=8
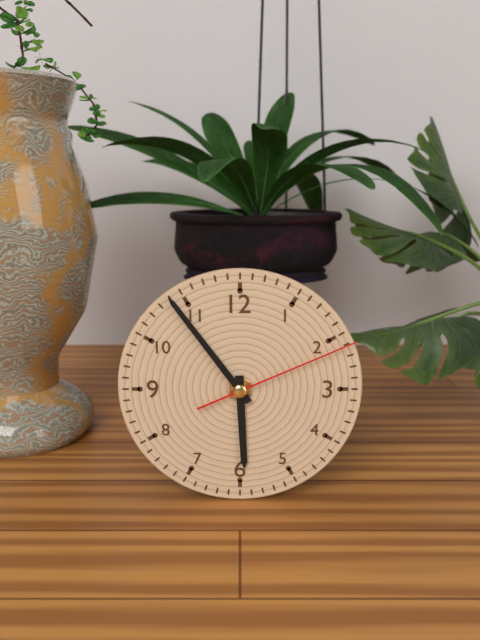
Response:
h=5 m=54 s=11
